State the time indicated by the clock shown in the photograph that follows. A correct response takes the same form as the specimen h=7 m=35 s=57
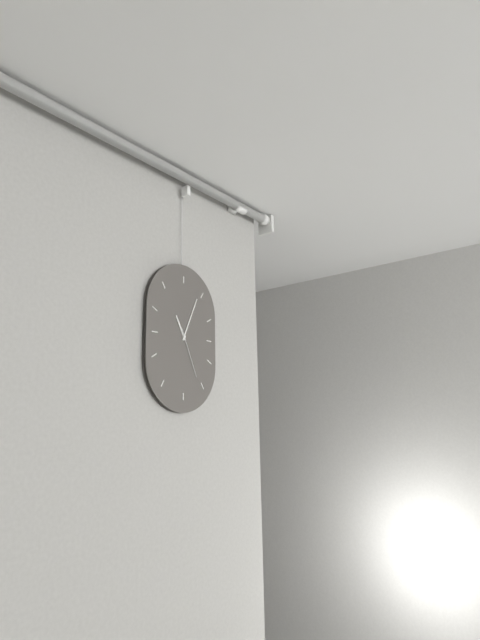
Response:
h=11 m=4 s=26
